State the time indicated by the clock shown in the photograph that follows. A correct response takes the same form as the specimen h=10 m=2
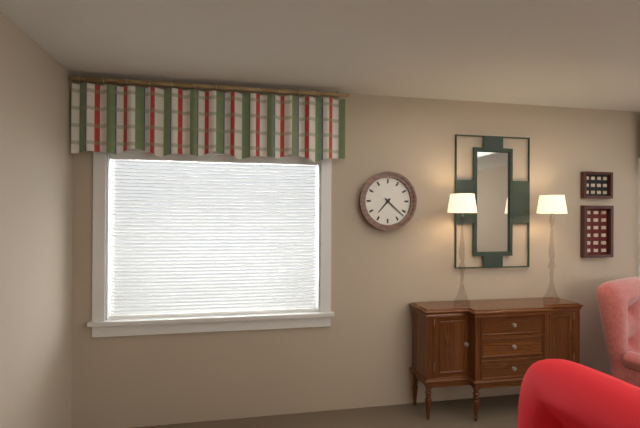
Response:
h=7 m=22
